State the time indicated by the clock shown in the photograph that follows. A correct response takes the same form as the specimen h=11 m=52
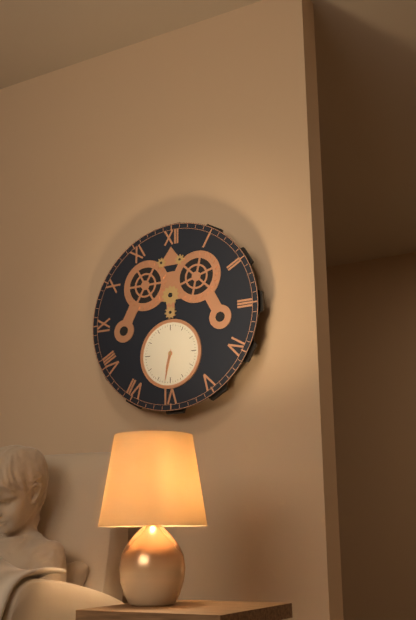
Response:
h=6 m=32
